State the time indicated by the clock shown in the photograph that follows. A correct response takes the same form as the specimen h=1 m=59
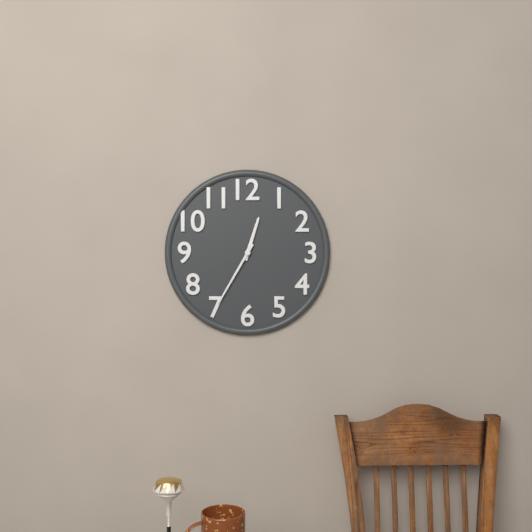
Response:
h=12 m=35
